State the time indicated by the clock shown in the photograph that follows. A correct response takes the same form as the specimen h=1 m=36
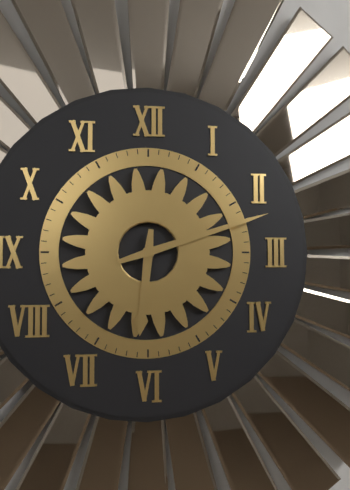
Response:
h=6 m=12
